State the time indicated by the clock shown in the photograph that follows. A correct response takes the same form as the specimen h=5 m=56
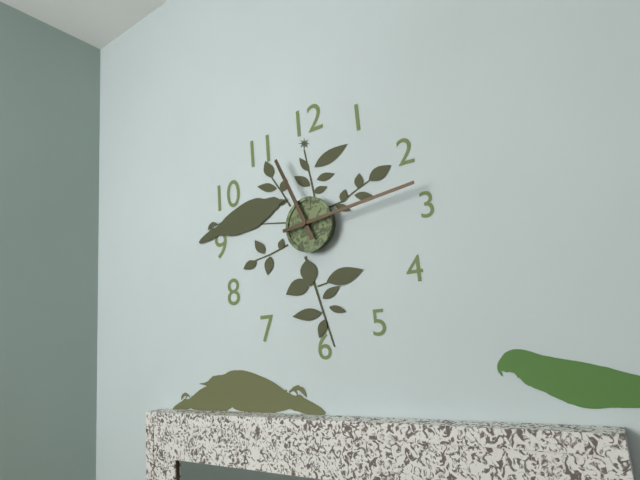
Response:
h=11 m=14
